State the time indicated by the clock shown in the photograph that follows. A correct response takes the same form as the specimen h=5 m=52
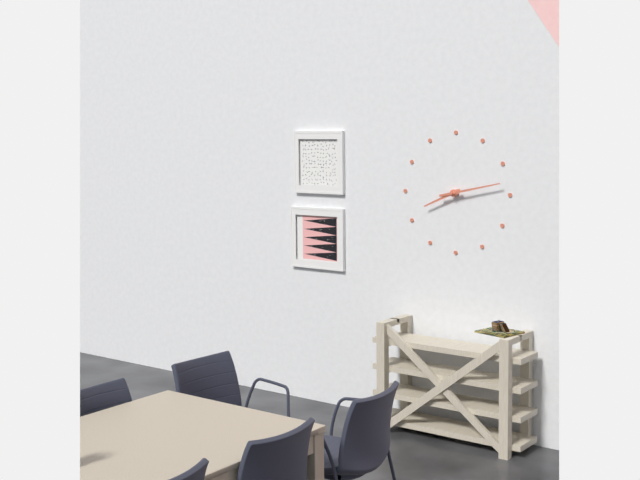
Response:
h=8 m=13
